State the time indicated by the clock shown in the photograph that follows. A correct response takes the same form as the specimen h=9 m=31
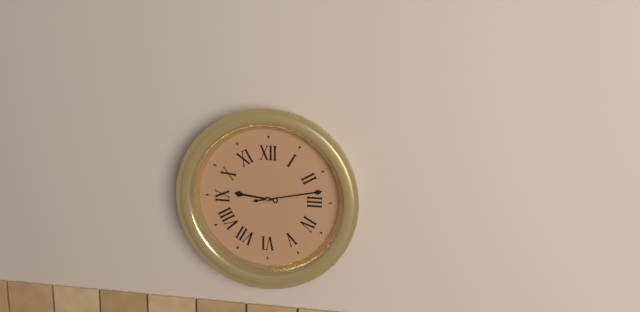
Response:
h=9 m=13
